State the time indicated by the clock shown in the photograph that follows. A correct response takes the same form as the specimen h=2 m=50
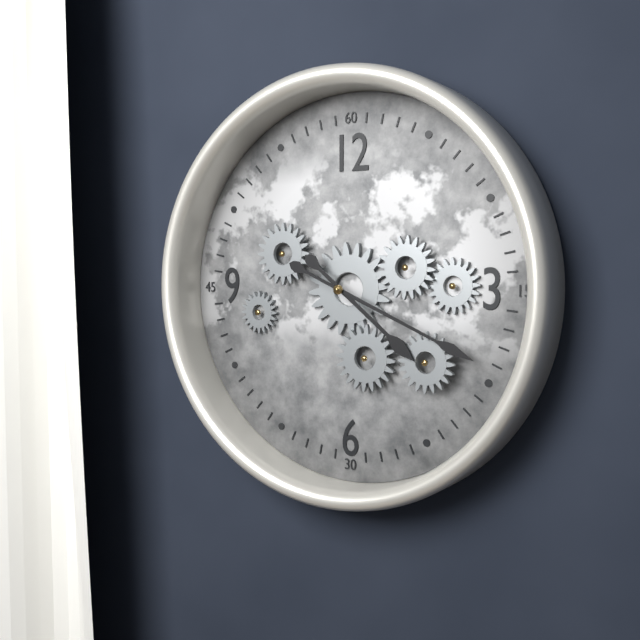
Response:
h=4 m=19
